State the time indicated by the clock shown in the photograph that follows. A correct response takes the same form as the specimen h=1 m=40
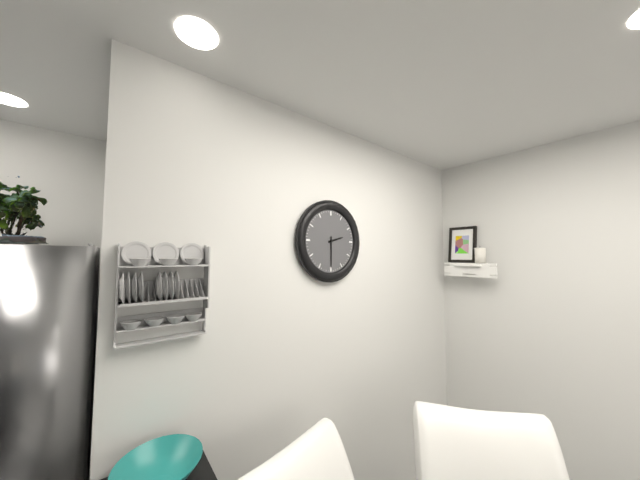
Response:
h=2 m=30
